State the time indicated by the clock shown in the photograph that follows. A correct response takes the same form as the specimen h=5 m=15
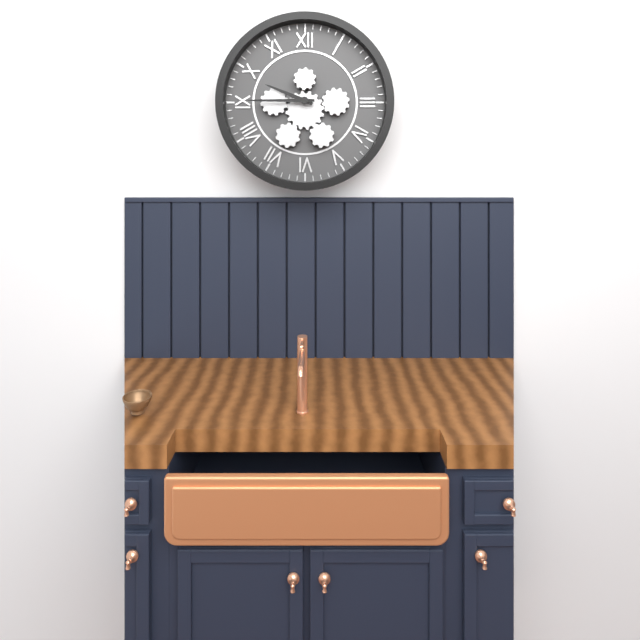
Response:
h=9 m=45
